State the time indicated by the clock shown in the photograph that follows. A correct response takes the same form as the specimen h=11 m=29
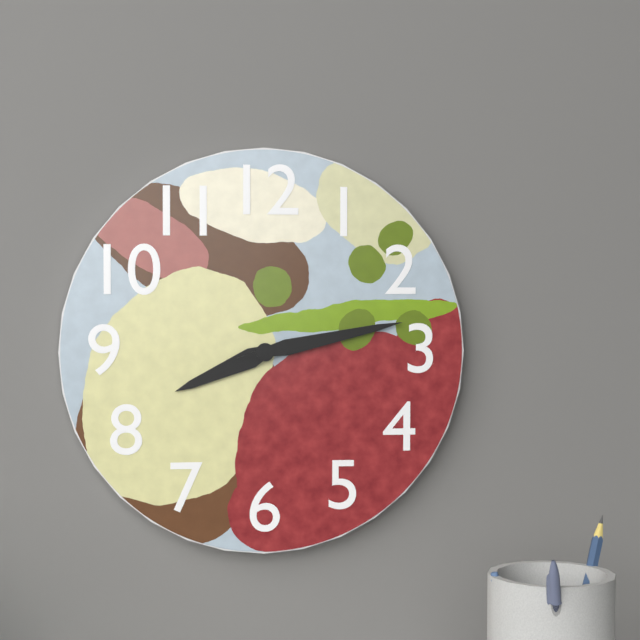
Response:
h=8 m=13
